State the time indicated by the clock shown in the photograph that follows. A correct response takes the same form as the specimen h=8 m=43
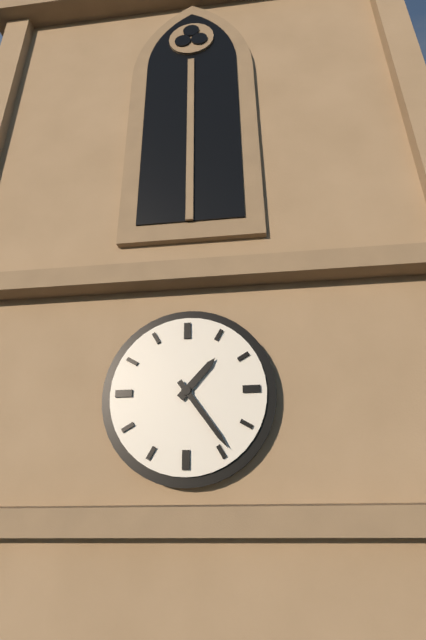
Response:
h=1 m=24
